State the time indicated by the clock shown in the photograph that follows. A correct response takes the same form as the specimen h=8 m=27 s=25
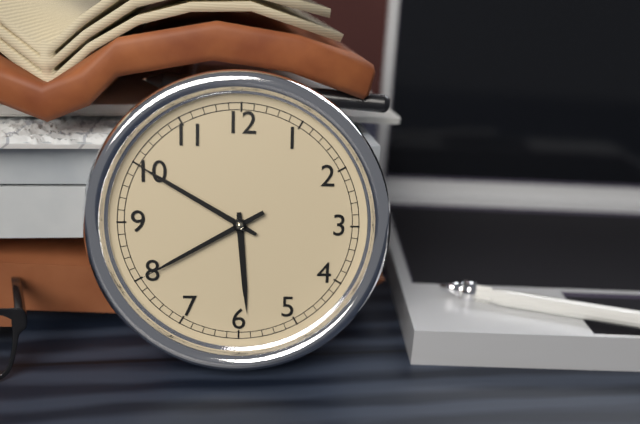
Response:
h=5 m=50 s=40
